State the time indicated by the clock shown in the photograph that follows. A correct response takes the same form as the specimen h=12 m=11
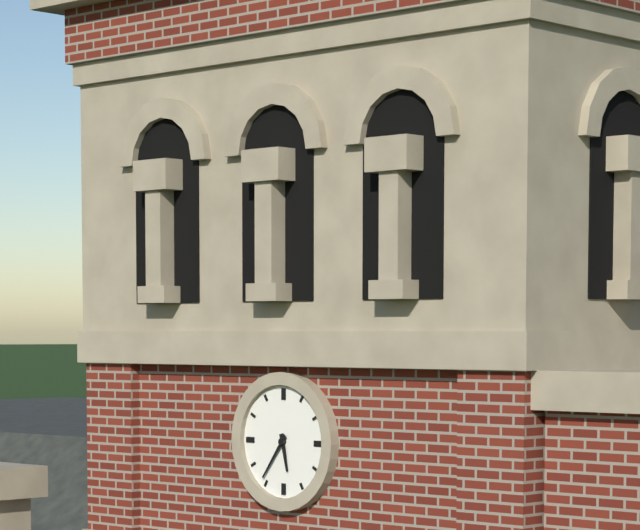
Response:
h=5 m=36
